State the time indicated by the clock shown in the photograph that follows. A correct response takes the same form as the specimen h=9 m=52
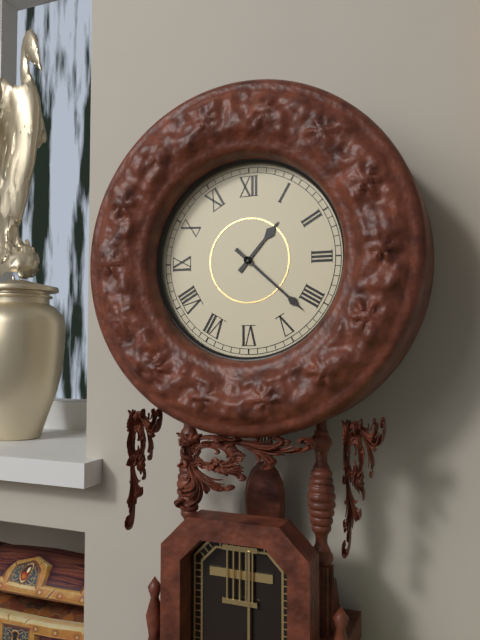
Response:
h=1 m=22
